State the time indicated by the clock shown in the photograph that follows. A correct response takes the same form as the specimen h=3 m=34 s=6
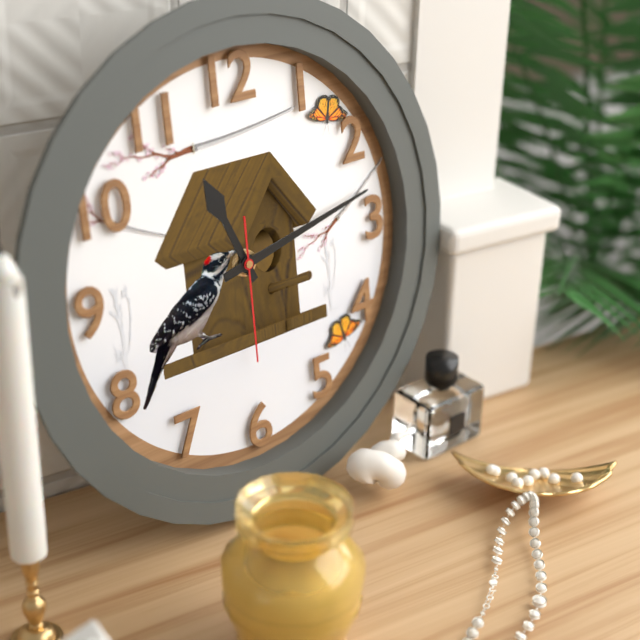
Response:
h=11 m=13 s=30
